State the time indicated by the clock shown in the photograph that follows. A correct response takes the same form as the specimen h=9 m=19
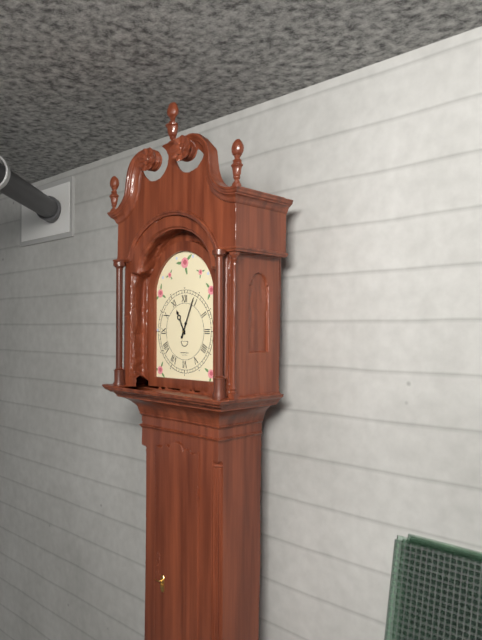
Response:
h=11 m=4
